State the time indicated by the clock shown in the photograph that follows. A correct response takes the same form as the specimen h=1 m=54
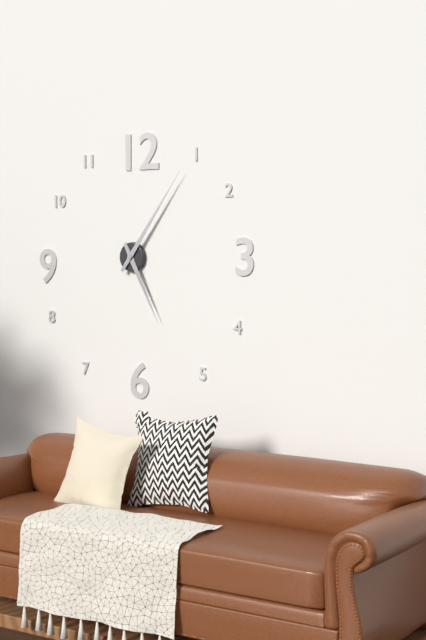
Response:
h=5 m=6
